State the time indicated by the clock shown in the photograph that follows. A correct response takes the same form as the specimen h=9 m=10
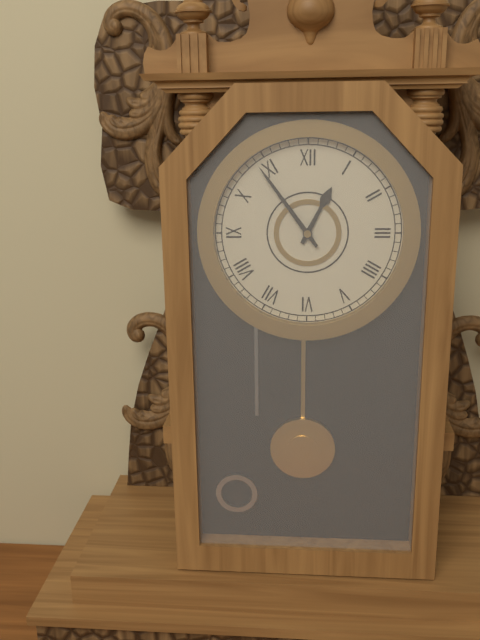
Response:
h=12 m=54
